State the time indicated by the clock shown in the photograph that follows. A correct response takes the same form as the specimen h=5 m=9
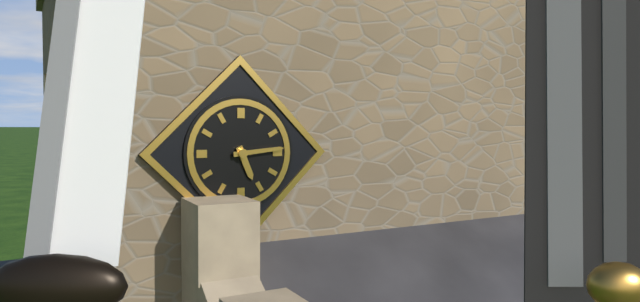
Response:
h=5 m=14
